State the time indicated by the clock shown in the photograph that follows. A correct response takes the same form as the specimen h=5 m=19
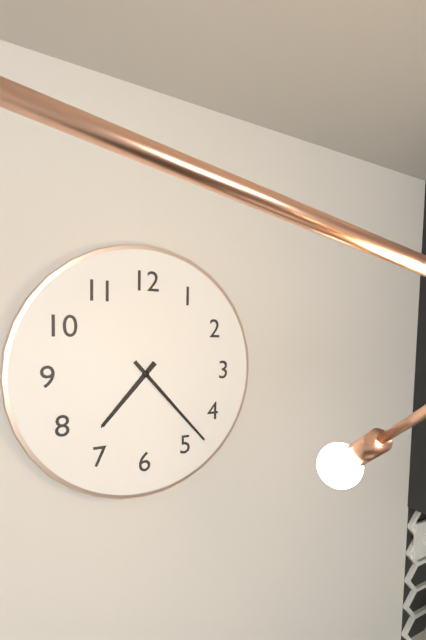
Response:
h=7 m=23
